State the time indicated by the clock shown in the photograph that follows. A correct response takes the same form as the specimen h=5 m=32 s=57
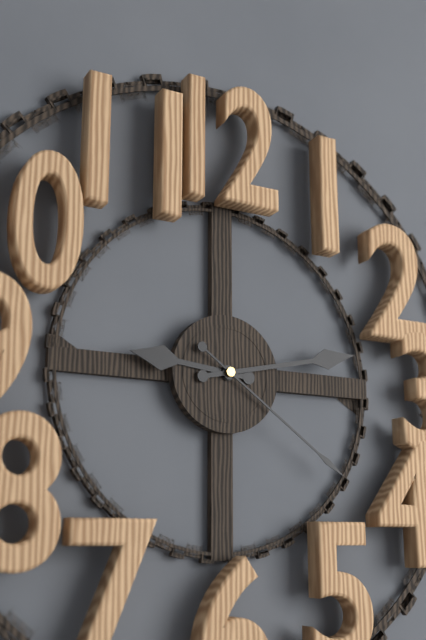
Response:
h=9 m=13 s=21
